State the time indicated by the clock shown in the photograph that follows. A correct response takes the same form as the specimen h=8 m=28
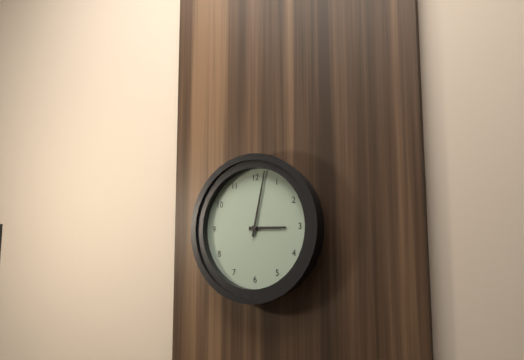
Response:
h=3 m=2
